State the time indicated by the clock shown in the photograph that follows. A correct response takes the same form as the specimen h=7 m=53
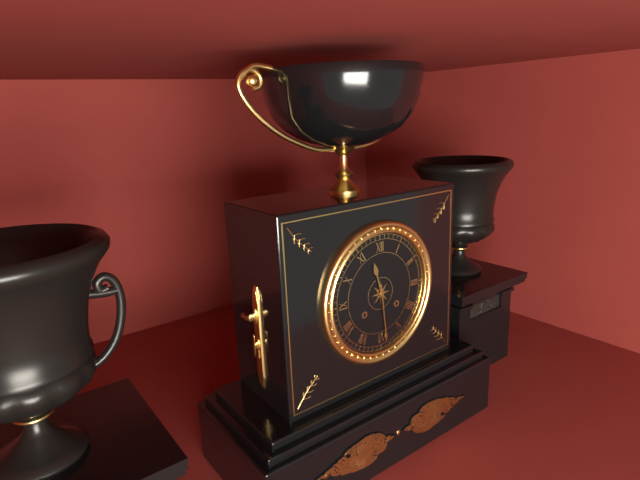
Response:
h=11 m=29
